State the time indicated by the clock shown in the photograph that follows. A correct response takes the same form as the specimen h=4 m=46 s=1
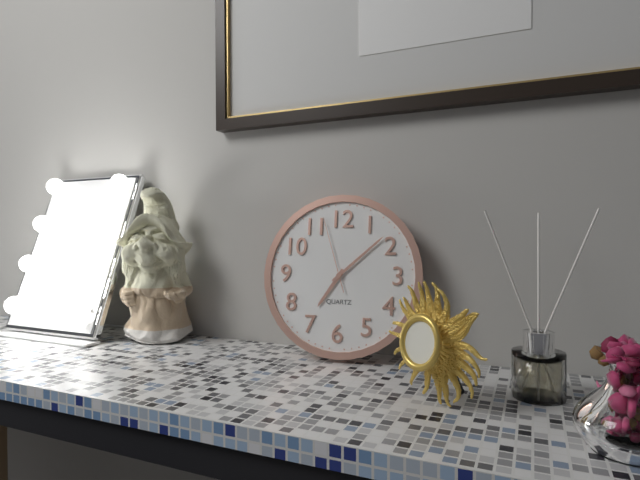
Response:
h=7 m=8 s=57
